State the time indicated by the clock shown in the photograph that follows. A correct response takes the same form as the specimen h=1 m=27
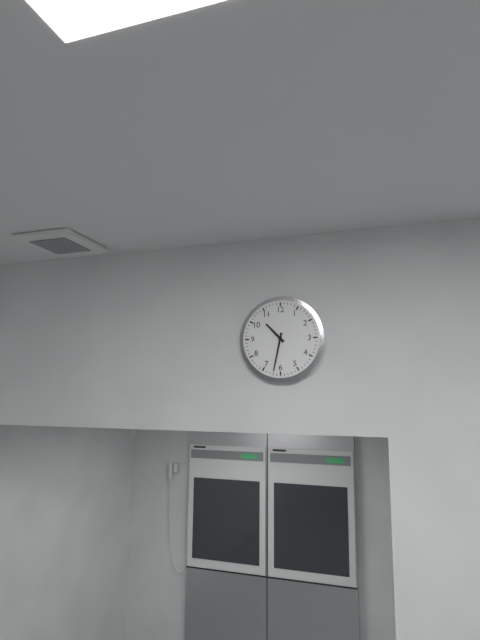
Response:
h=10 m=32
